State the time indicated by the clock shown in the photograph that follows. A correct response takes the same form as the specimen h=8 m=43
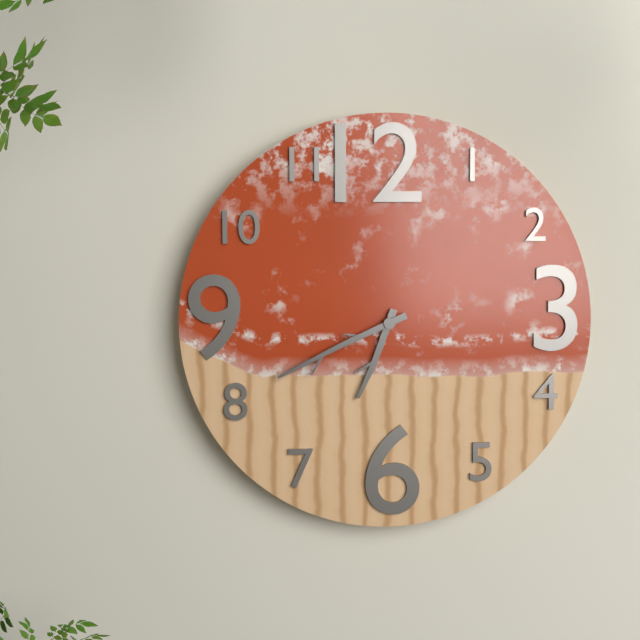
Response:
h=6 m=41
